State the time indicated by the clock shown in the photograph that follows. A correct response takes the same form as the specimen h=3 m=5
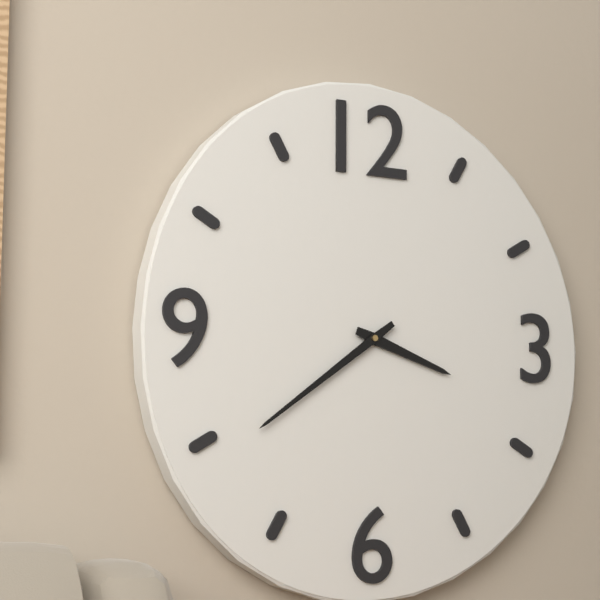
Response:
h=3 m=39
